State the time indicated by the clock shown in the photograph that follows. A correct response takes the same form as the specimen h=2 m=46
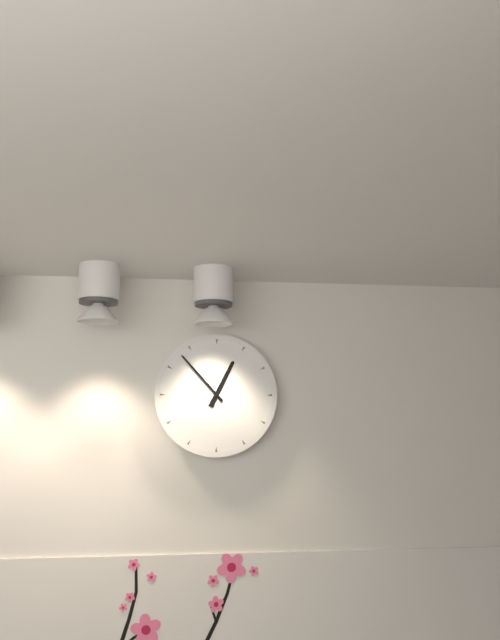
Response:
h=12 m=53
